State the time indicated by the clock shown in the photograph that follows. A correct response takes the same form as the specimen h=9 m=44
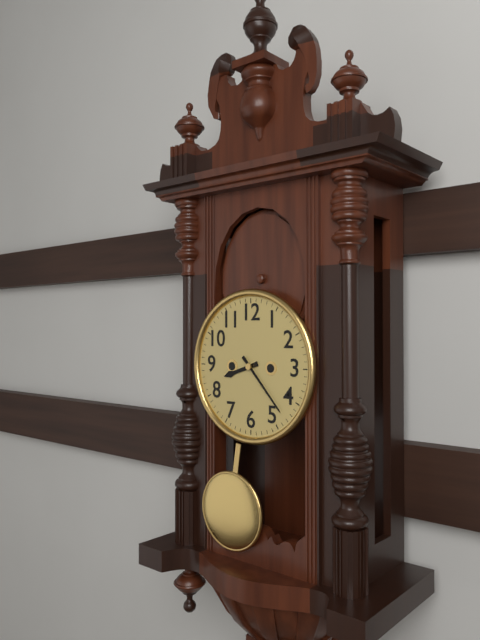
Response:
h=8 m=23
